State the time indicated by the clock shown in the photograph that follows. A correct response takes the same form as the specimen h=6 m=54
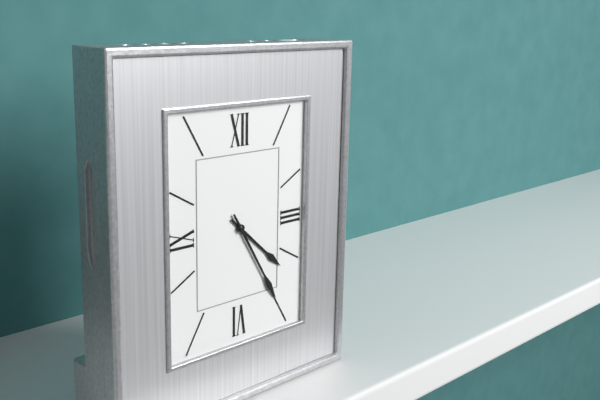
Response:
h=4 m=25
